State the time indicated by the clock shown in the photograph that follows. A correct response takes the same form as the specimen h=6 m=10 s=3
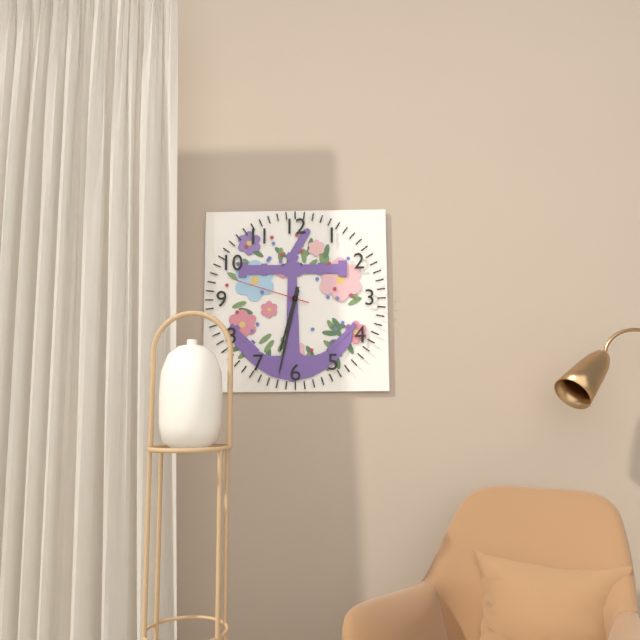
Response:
h=6 m=32 s=48
